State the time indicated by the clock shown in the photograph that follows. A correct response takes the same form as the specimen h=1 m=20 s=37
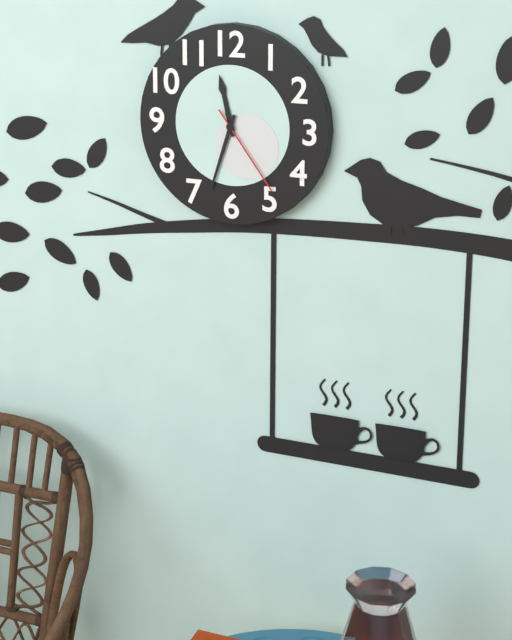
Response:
h=11 m=33 s=24
